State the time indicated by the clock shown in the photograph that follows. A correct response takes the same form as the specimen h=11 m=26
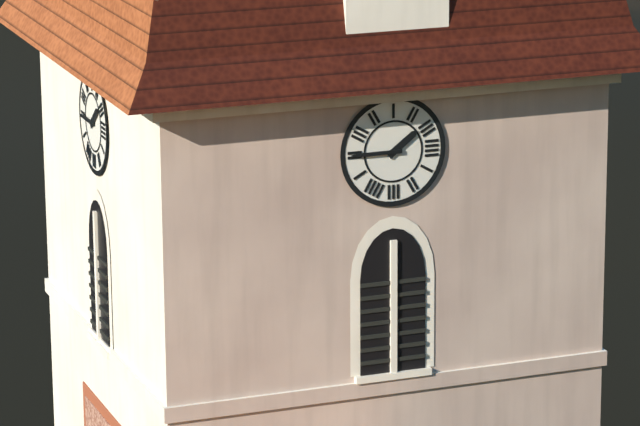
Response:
h=1 m=45
